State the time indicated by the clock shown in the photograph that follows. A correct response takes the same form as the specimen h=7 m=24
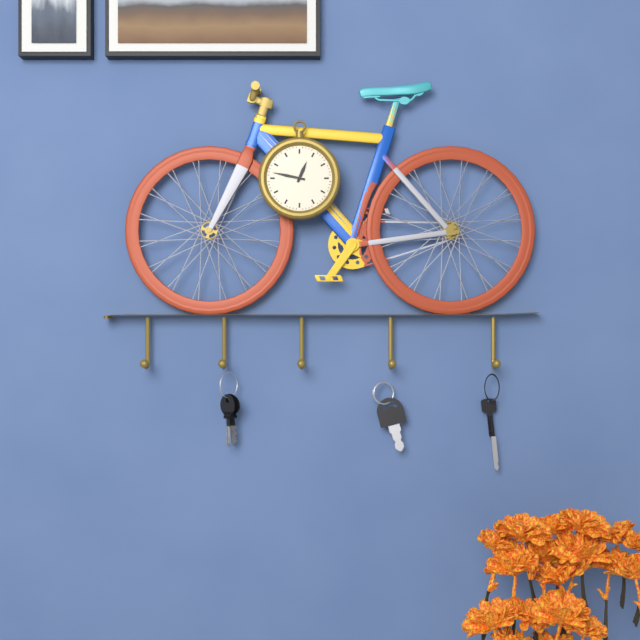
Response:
h=12 m=47
